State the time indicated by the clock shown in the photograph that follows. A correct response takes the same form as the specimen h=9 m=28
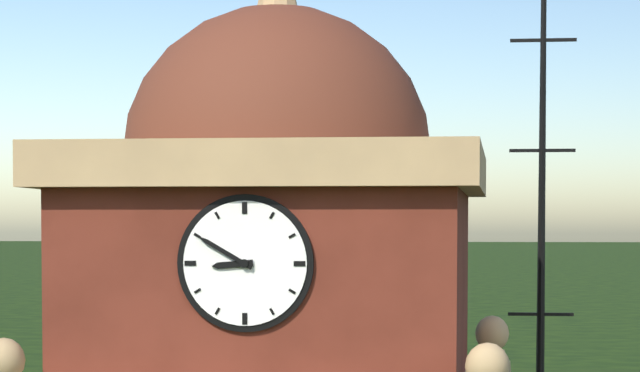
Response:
h=8 m=50
